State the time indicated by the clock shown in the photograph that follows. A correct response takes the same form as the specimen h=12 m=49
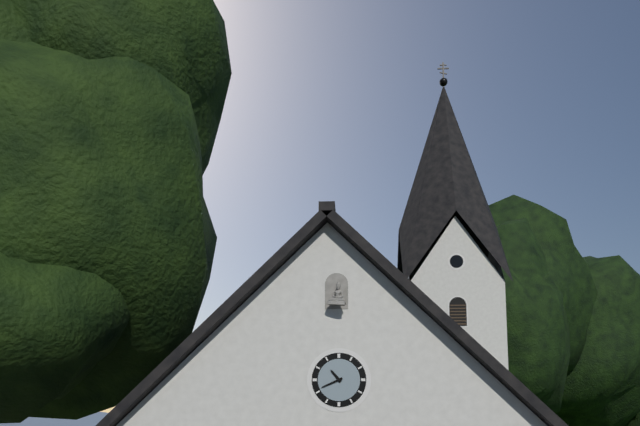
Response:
h=10 m=41
